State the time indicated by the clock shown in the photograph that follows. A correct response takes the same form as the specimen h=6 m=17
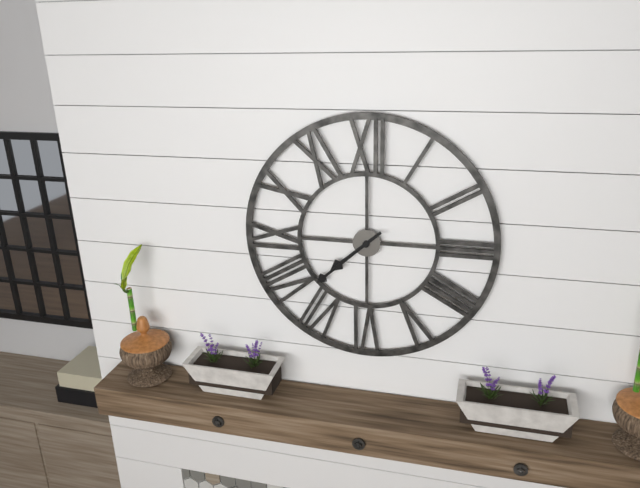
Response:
h=7 m=38
